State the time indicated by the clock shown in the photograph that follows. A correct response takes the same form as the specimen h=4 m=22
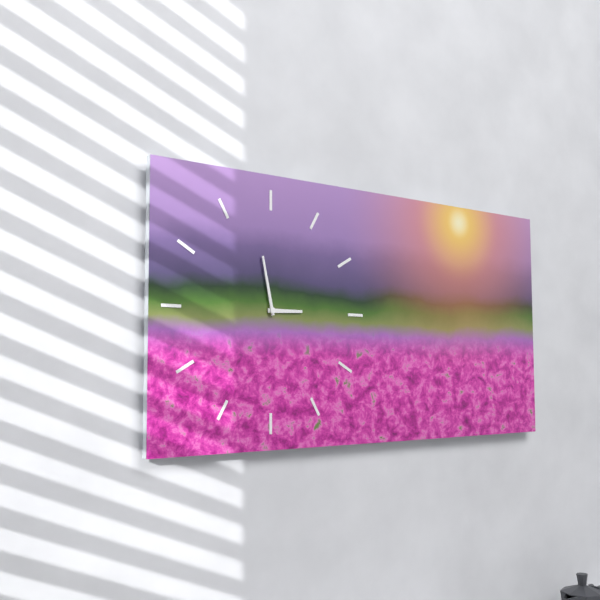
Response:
h=2 m=58
